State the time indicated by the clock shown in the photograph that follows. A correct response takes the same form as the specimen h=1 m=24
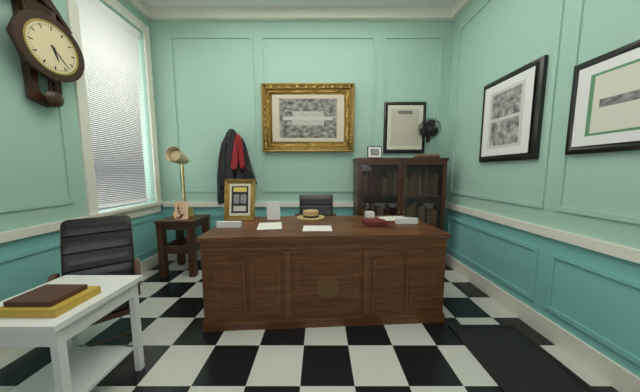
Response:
h=5 m=23
